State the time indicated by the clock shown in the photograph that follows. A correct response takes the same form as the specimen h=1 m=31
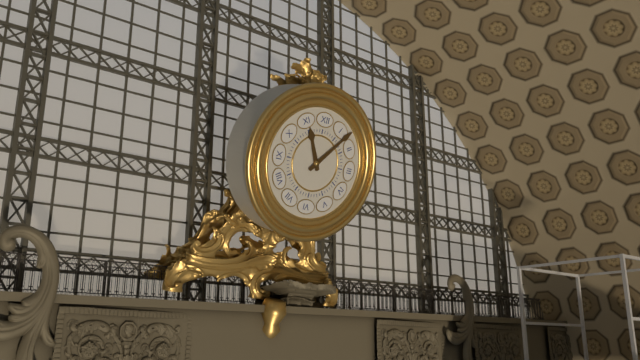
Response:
h=11 m=7
